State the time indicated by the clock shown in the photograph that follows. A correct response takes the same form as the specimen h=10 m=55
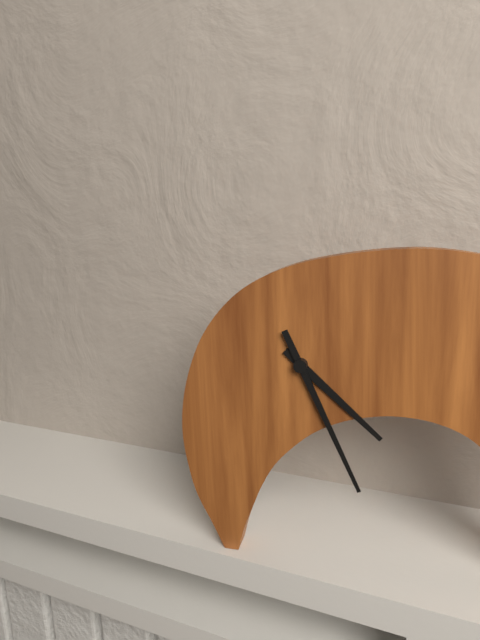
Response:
h=4 m=26
